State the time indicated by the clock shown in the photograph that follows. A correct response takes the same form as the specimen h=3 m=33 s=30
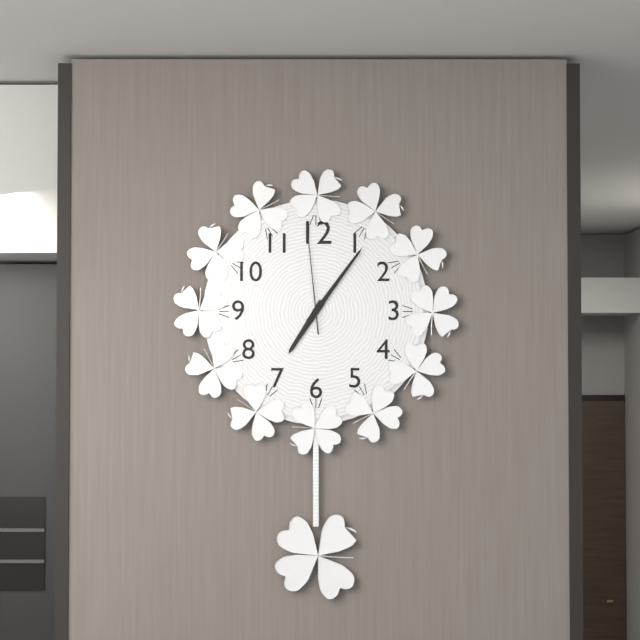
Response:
h=7 m=6 s=59
